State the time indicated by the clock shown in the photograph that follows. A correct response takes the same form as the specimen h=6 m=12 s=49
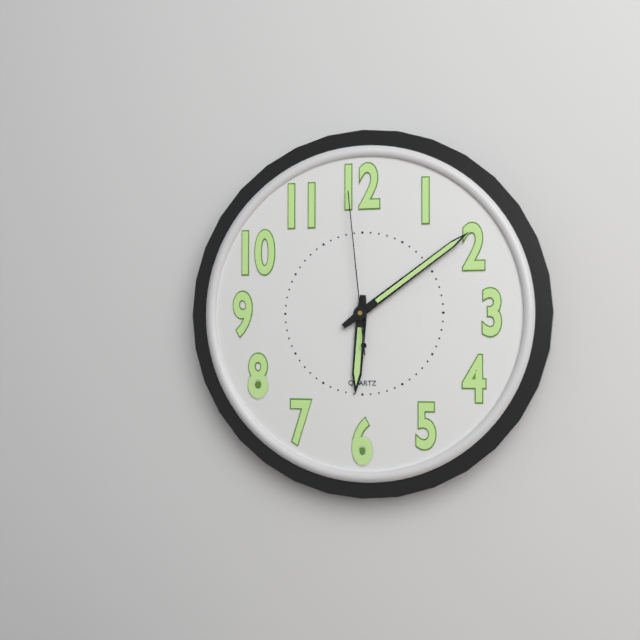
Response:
h=6 m=9 s=59
